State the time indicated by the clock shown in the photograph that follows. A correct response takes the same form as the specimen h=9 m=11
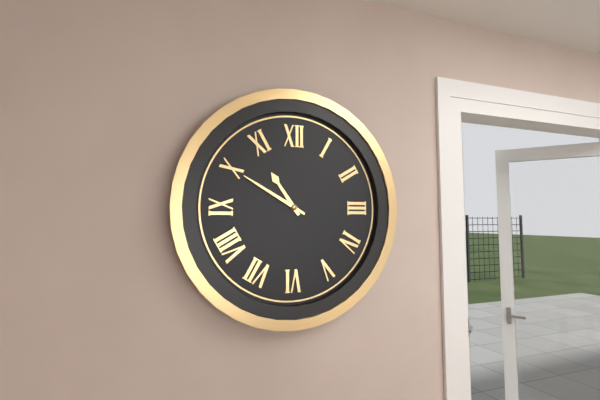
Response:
h=10 m=50
